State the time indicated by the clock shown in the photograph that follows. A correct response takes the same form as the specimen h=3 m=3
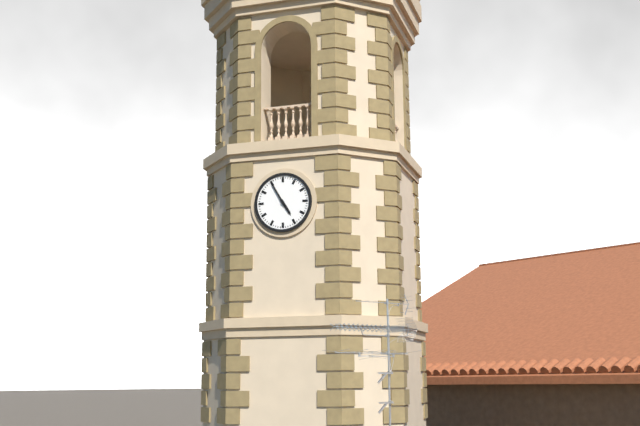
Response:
h=4 m=55
